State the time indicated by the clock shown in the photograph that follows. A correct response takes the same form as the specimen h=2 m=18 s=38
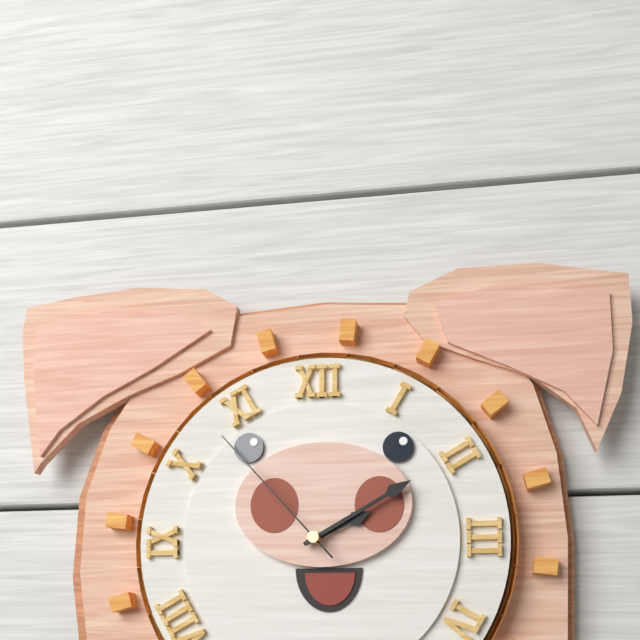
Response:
h=2 m=10 s=53
